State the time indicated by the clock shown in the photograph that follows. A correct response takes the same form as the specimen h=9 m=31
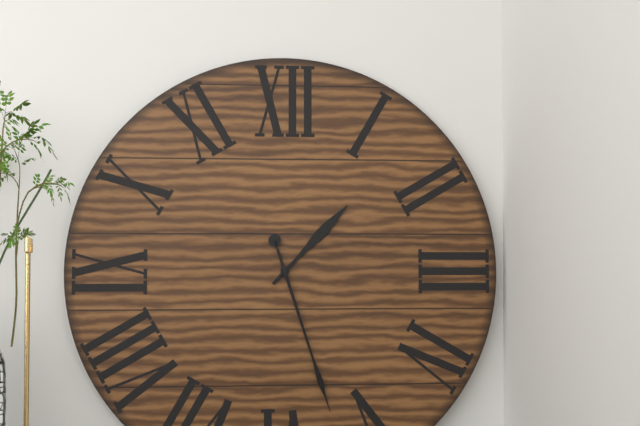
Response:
h=1 m=27
